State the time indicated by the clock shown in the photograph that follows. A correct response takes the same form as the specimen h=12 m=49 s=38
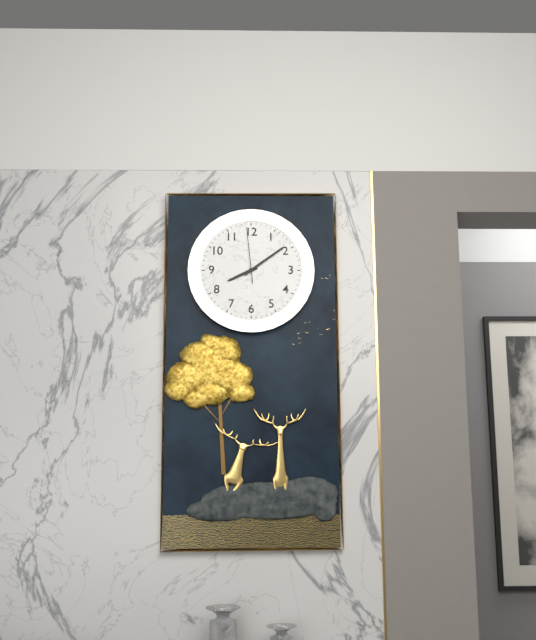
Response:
h=8 m=9 s=59
